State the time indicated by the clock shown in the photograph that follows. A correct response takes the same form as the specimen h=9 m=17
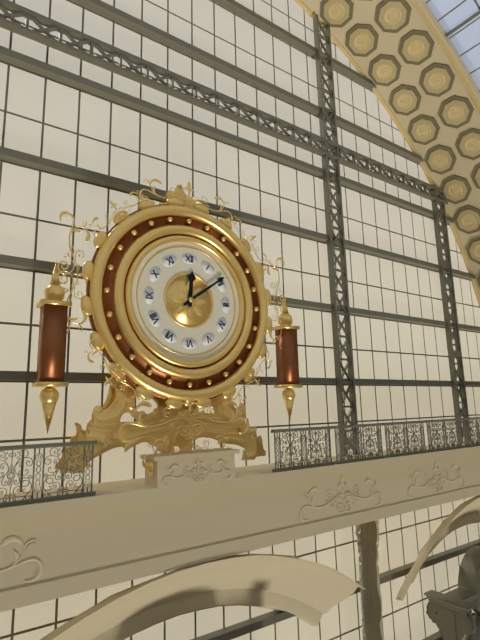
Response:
h=12 m=9
